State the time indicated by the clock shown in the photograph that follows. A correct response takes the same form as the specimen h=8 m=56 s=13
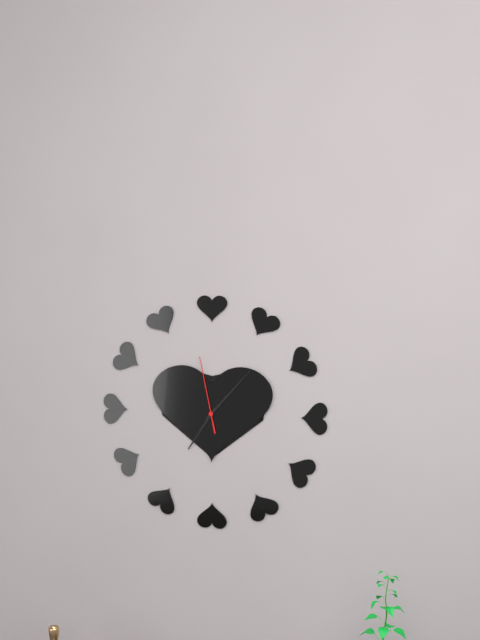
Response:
h=7 m=7 s=58
